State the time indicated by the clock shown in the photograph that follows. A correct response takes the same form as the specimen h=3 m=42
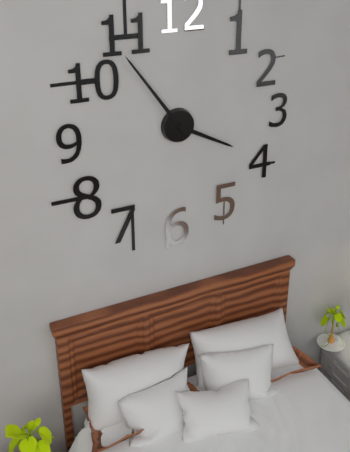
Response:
h=3 m=54
